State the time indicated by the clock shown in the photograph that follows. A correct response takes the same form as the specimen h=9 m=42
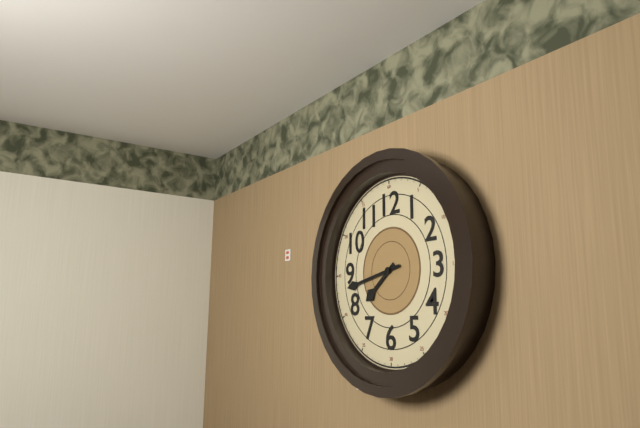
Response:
h=7 m=43
